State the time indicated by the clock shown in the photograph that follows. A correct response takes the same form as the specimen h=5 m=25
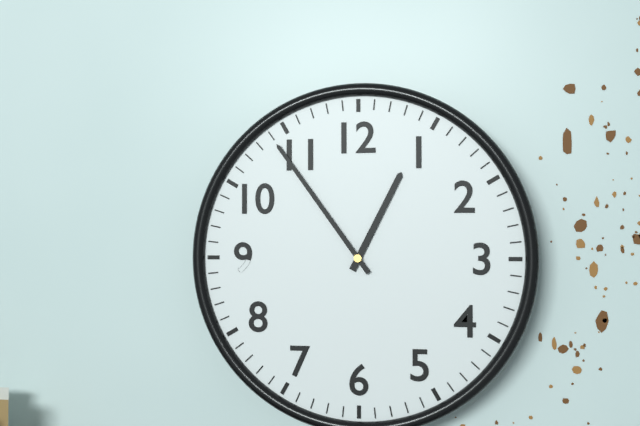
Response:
h=12 m=54
